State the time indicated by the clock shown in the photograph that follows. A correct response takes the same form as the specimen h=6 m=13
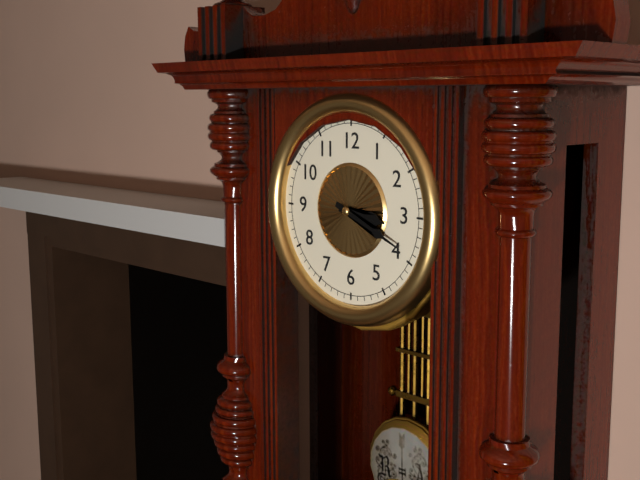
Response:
h=3 m=19
